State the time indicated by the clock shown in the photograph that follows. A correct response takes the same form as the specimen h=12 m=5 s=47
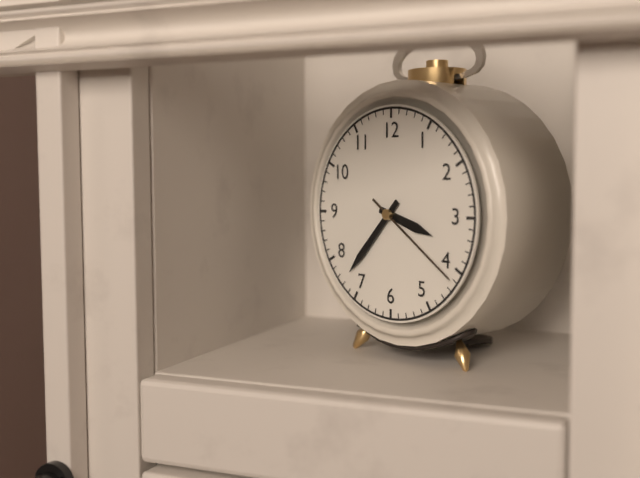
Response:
h=3 m=37 s=21
